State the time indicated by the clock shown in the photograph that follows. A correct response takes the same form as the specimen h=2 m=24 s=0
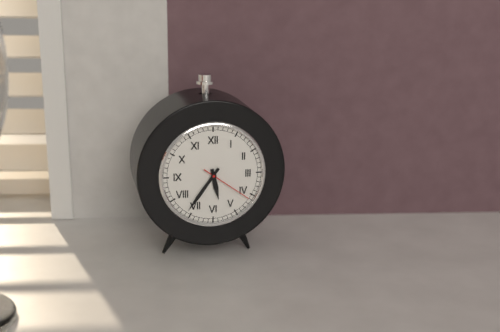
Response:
h=5 m=36 s=21
